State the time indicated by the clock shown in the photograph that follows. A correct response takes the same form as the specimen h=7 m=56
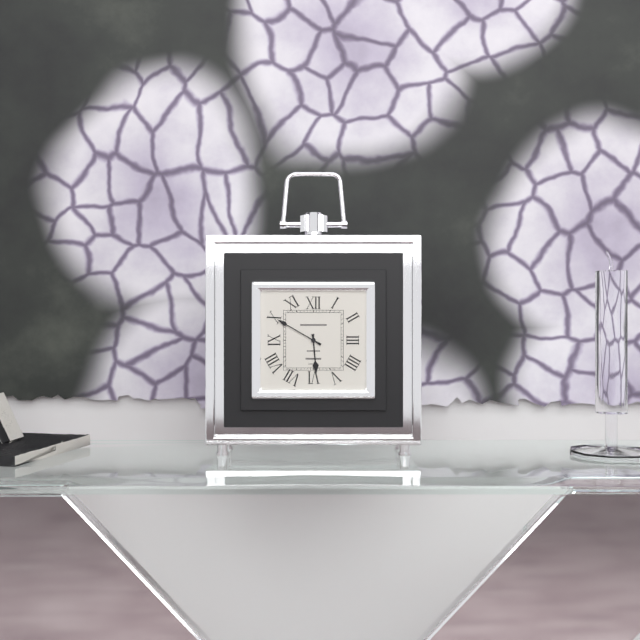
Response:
h=5 m=50
